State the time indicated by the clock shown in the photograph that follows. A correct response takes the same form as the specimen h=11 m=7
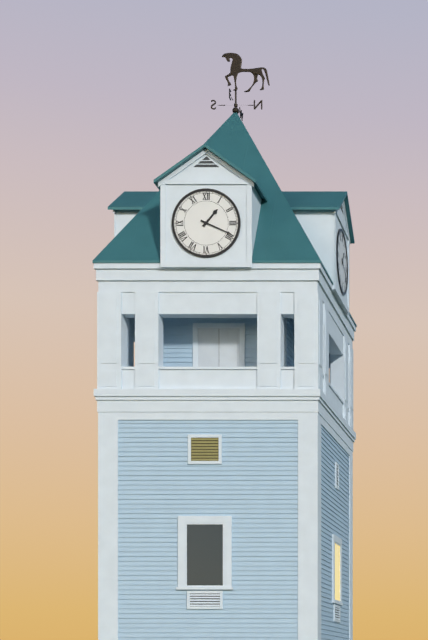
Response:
h=1 m=19
